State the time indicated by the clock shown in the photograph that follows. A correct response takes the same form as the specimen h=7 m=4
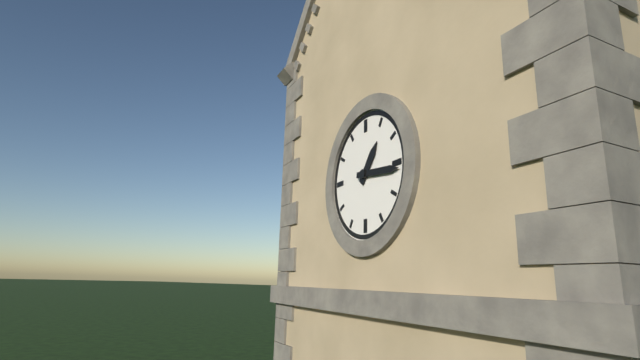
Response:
h=1 m=16
